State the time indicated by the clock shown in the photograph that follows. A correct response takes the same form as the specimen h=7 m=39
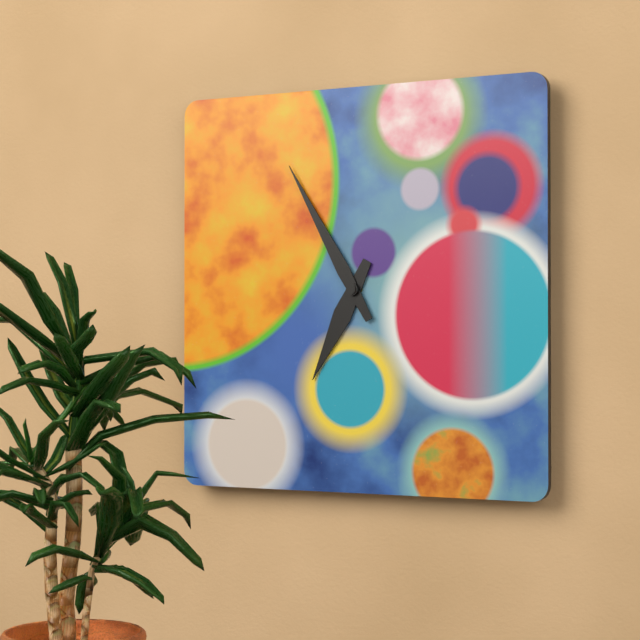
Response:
h=6 m=55
